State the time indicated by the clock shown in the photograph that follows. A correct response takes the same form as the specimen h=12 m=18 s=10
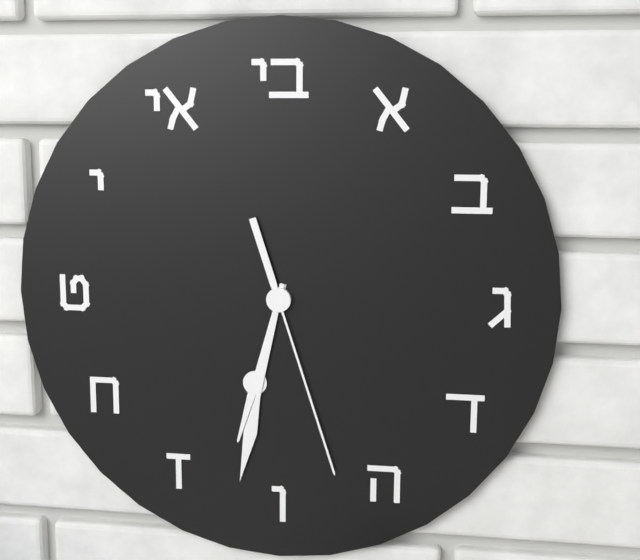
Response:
h=6 m=32 s=27
